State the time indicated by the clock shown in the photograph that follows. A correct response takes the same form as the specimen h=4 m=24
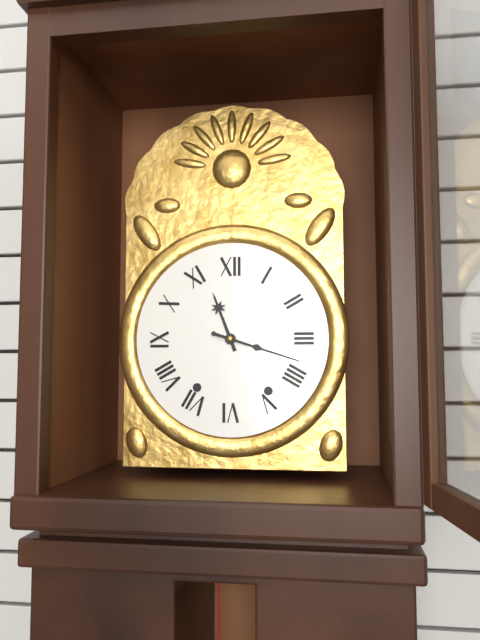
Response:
h=11 m=18
